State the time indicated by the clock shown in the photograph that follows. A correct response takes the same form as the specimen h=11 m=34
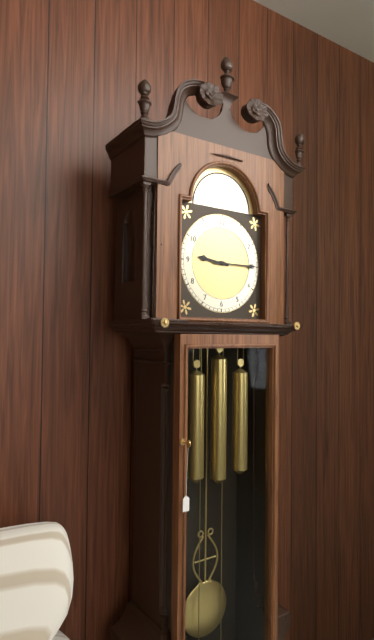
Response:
h=9 m=15
